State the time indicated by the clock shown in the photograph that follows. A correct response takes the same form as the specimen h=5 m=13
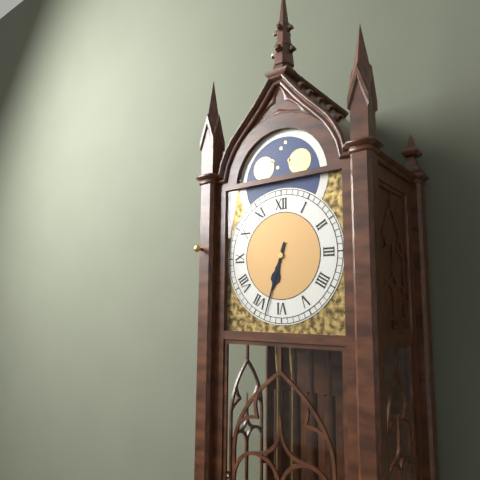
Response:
h=6 m=33
